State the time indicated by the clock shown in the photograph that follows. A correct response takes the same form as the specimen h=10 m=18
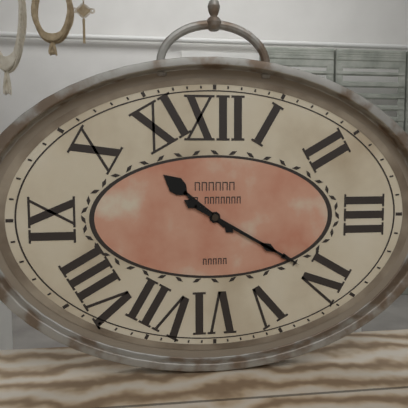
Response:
h=10 m=20
